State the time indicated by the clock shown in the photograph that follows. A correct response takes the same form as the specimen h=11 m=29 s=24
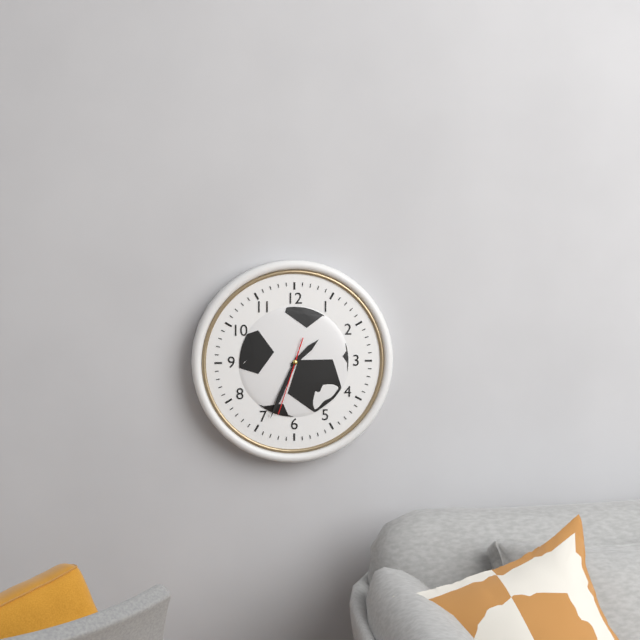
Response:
h=1 m=34 s=33
